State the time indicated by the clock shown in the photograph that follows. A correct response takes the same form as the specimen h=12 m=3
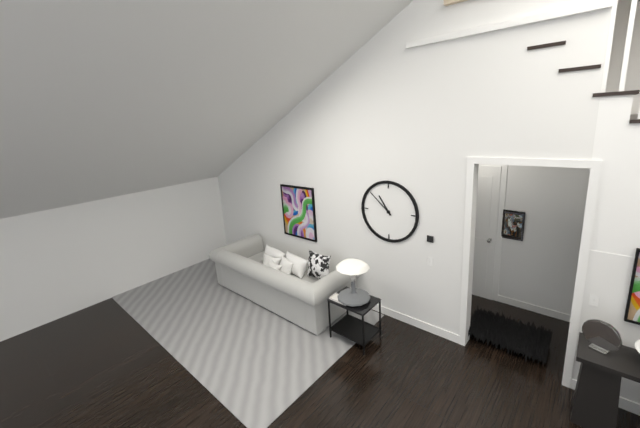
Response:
h=10 m=52
